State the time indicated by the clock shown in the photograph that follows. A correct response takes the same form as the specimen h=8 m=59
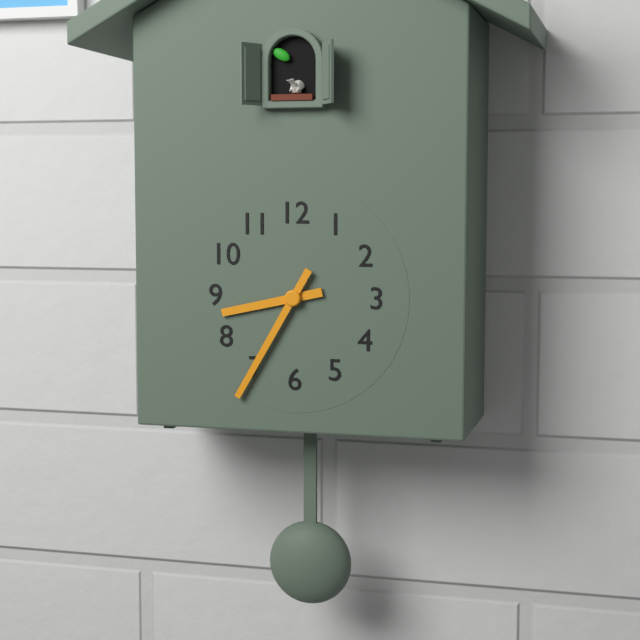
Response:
h=8 m=35
